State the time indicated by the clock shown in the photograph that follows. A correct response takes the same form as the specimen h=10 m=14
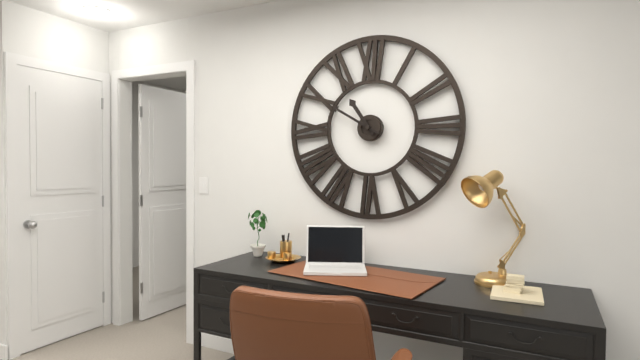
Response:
h=10 m=50
